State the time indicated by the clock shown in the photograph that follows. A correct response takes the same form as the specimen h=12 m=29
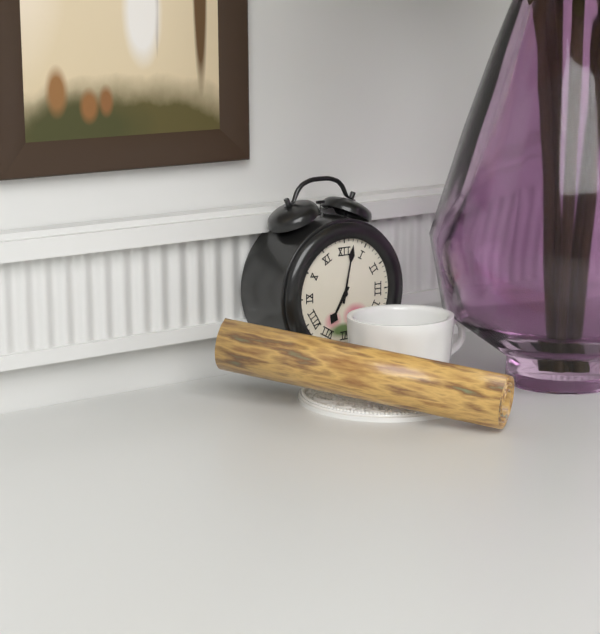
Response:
h=7 m=2
